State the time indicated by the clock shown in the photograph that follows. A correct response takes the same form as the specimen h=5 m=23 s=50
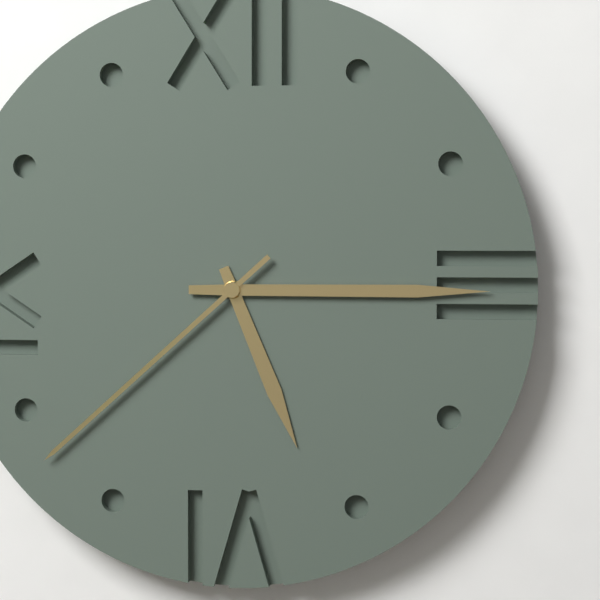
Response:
h=5 m=15 s=38
